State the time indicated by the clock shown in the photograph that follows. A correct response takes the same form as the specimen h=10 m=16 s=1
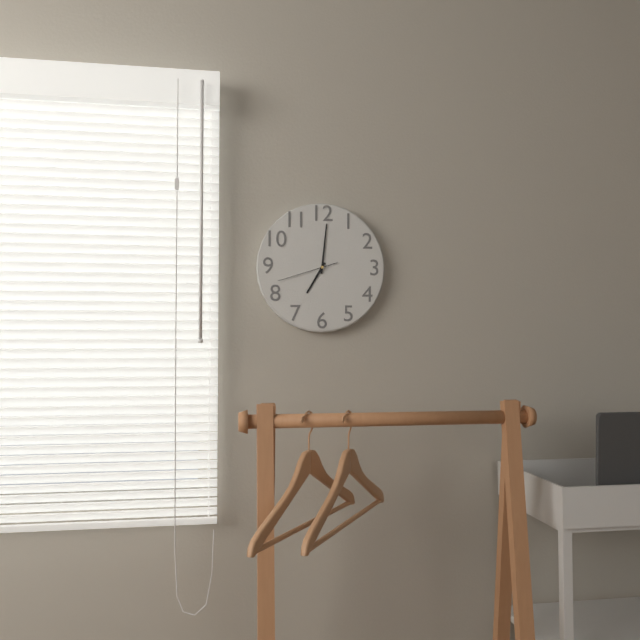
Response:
h=7 m=1 s=42
